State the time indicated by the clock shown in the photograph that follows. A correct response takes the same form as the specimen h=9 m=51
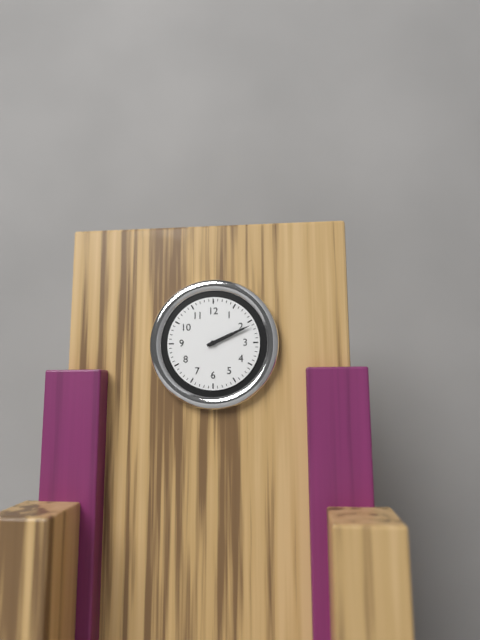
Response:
h=2 m=11
